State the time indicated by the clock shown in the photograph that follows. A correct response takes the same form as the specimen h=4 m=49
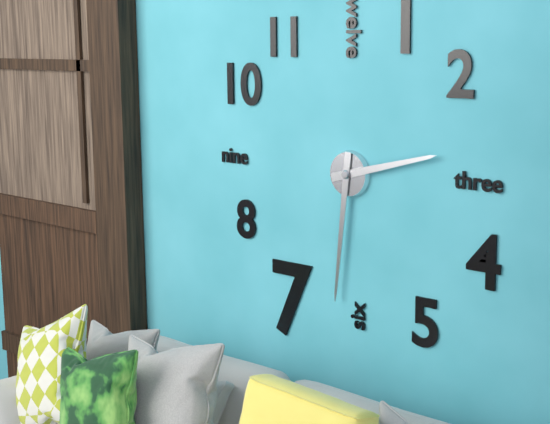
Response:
h=2 m=31
